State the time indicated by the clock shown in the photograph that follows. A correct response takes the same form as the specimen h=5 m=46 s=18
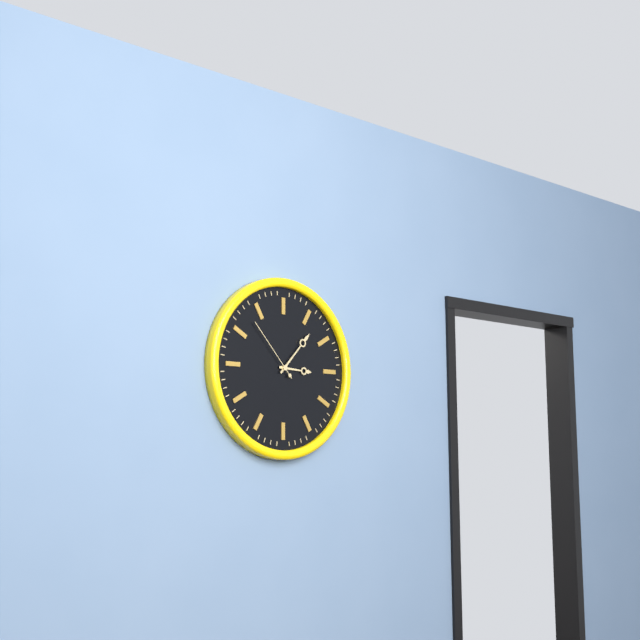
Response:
h=3 m=7 s=53
